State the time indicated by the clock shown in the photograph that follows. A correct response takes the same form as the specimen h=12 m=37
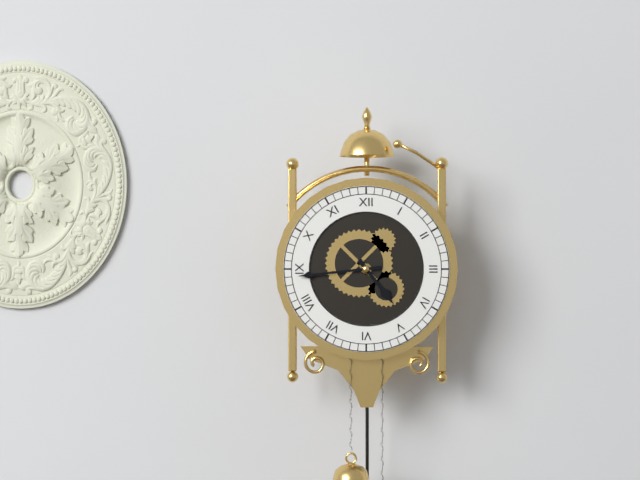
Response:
h=4 m=44
